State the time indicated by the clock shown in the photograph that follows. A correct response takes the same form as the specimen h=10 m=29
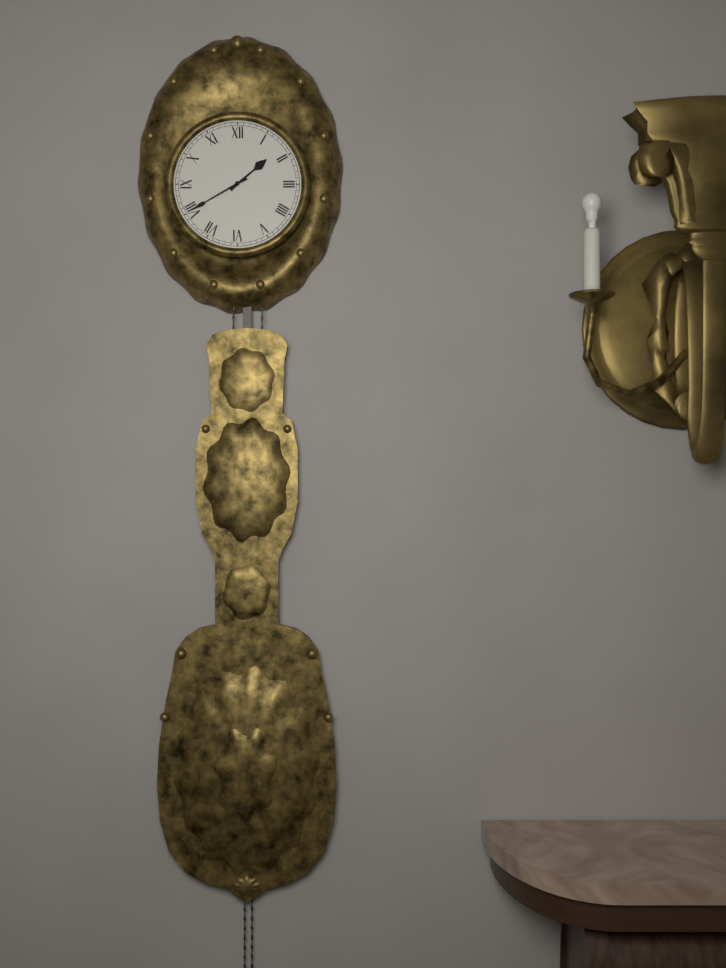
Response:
h=1 m=40
